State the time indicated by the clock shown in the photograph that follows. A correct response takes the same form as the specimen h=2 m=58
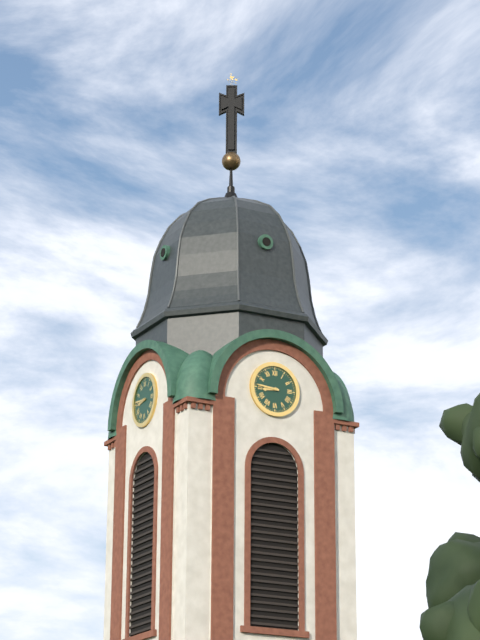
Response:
h=8 m=46
